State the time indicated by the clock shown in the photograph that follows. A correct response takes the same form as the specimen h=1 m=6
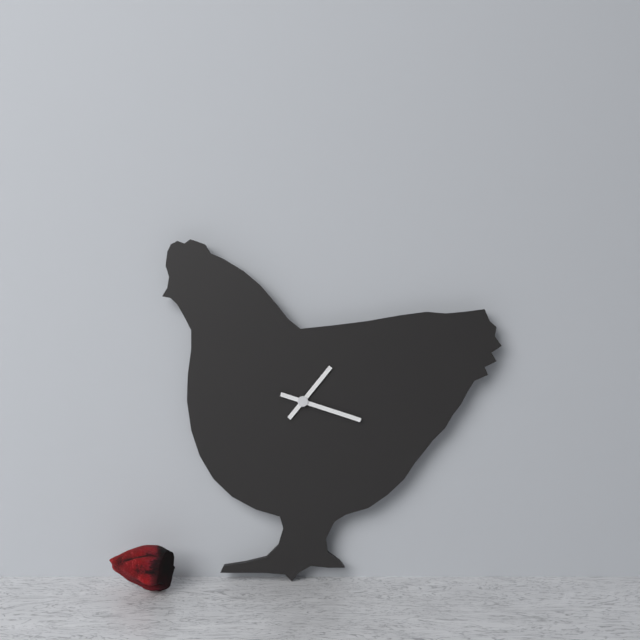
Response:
h=1 m=18
